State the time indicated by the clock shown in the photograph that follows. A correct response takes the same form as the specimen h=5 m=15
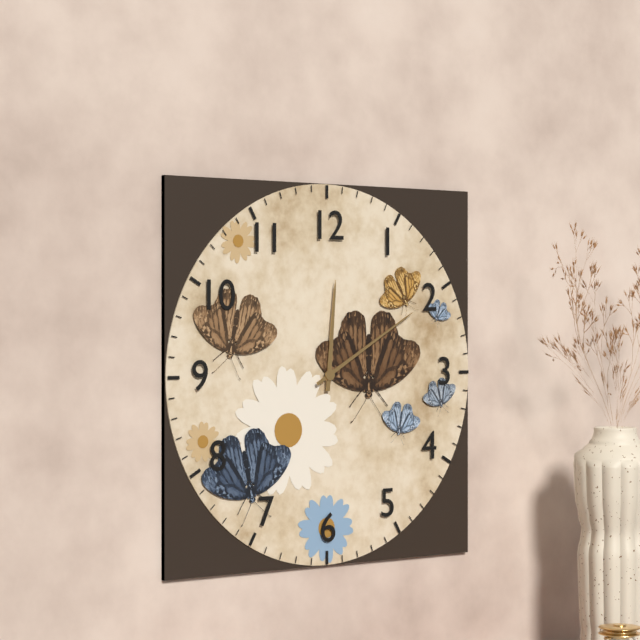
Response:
h=12 m=10
